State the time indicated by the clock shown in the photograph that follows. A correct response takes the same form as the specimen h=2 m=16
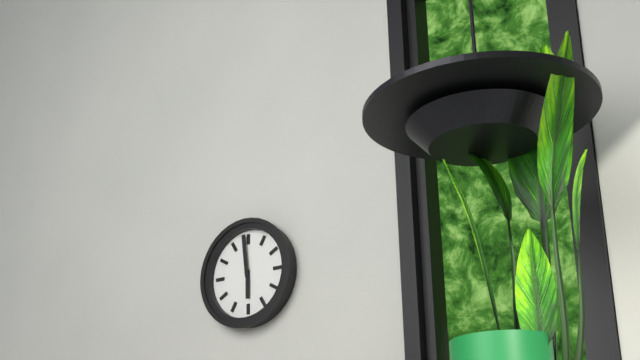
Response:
h=5 m=59
